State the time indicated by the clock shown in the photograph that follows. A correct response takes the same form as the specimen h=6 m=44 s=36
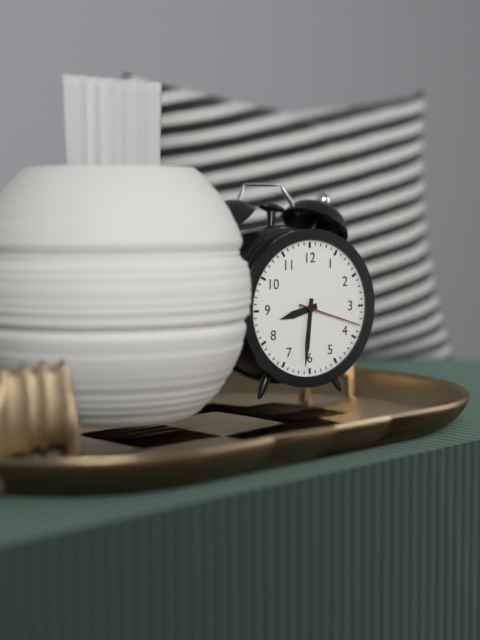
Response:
h=8 m=31 s=18
